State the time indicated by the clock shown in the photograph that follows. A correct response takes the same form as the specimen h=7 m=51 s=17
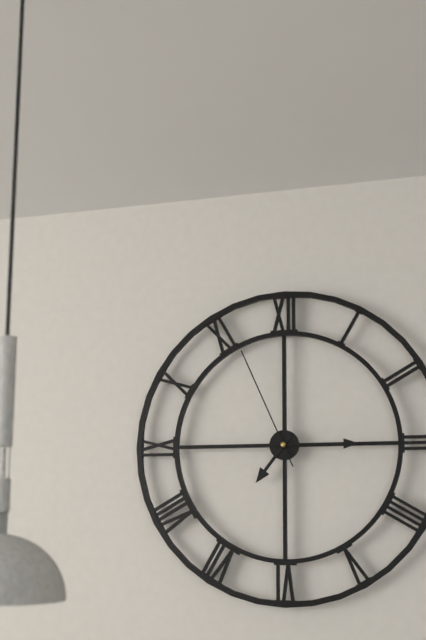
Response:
h=7 m=15 s=56
